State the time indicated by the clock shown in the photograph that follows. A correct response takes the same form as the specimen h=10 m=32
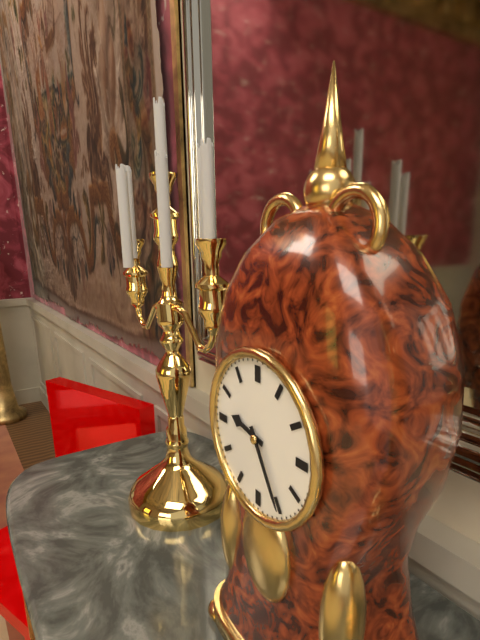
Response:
h=9 m=25
